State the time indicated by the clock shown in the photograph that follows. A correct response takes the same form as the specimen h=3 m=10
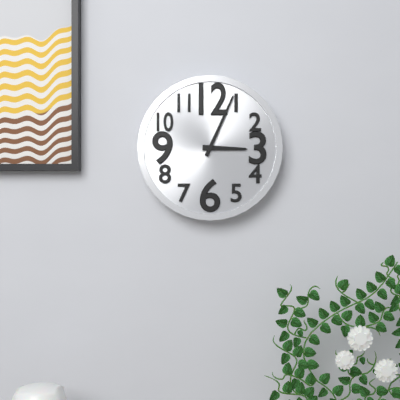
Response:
h=3 m=4
